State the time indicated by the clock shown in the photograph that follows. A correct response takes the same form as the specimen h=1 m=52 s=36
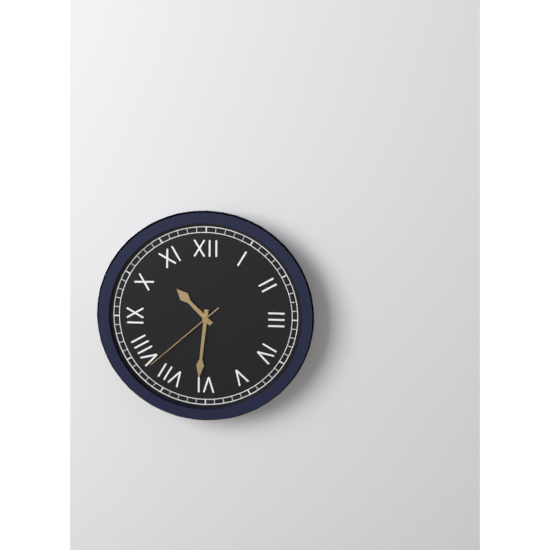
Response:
h=10 m=31 s=38
